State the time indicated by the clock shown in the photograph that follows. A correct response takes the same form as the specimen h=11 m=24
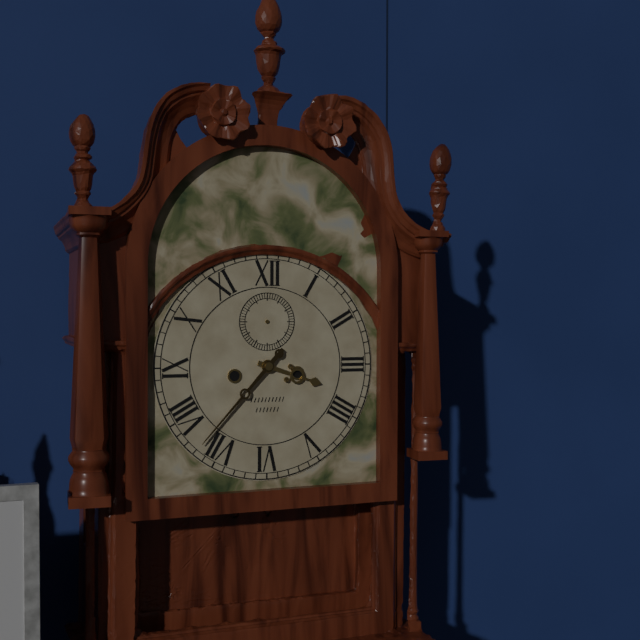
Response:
h=3 m=37
